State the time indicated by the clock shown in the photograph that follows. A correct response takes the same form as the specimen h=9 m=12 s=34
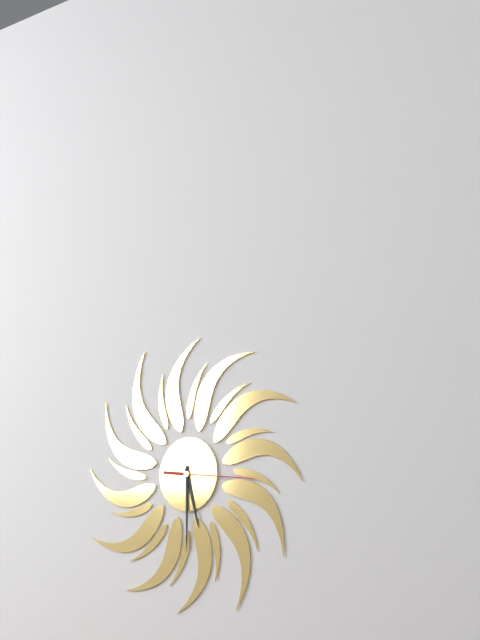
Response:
h=5 m=30 s=16
